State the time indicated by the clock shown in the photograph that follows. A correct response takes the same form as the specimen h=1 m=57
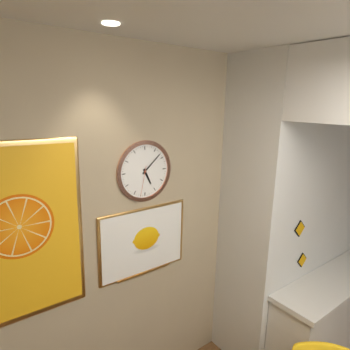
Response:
h=5 m=8
